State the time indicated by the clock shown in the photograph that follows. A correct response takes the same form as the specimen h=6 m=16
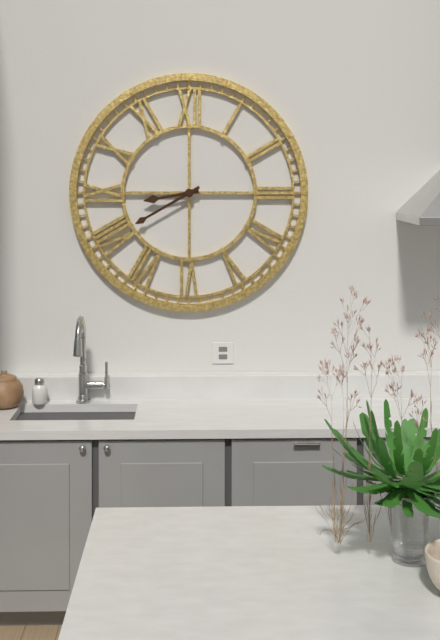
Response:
h=8 m=40
